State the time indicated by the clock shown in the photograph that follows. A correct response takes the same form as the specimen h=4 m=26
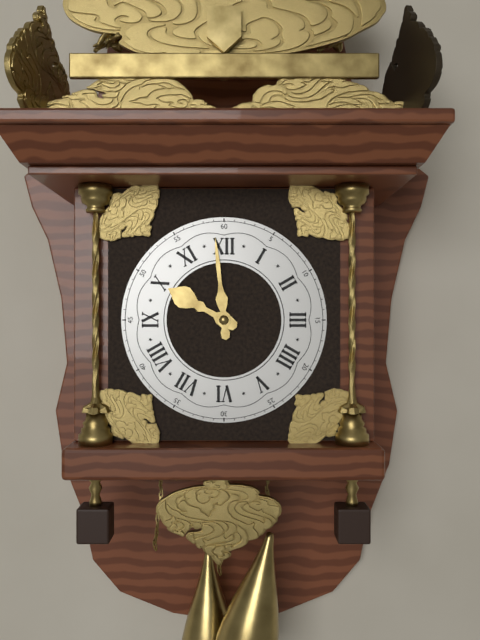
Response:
h=9 m=59
